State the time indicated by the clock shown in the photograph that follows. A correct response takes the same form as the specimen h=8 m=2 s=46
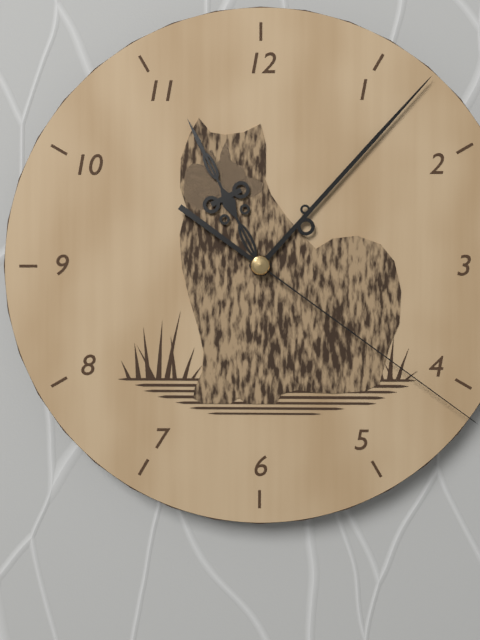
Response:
h=11 m=7 s=21
